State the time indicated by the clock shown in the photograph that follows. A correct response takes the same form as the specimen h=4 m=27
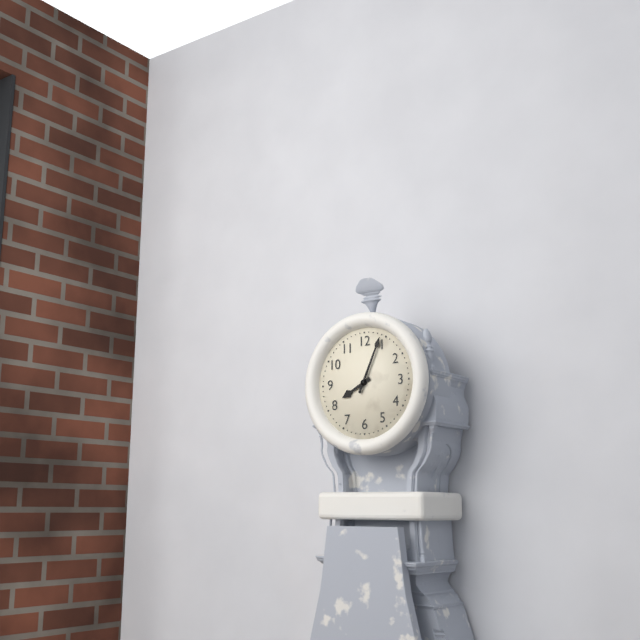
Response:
h=8 m=4
